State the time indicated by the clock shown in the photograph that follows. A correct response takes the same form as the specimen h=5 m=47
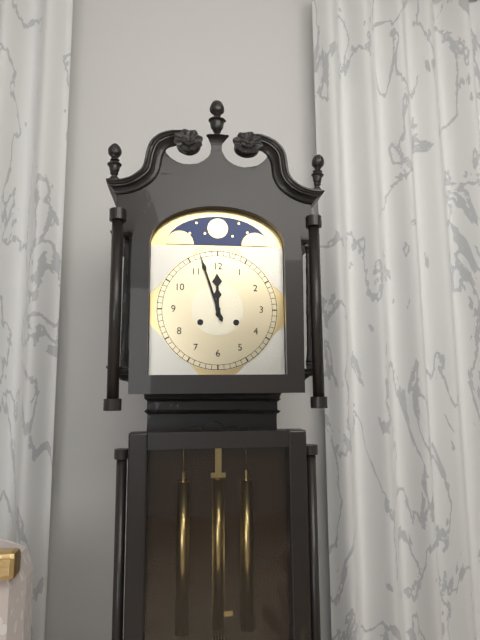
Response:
h=11 m=57
